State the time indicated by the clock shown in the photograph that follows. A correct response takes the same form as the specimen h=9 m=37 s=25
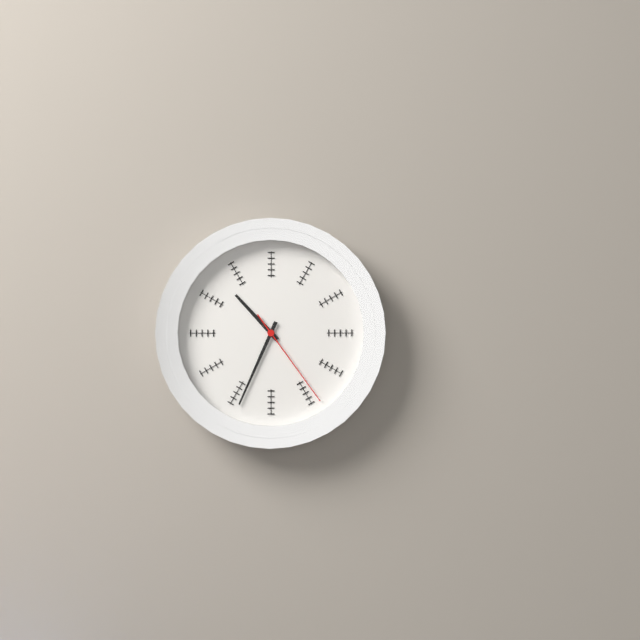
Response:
h=10 m=34 s=24
